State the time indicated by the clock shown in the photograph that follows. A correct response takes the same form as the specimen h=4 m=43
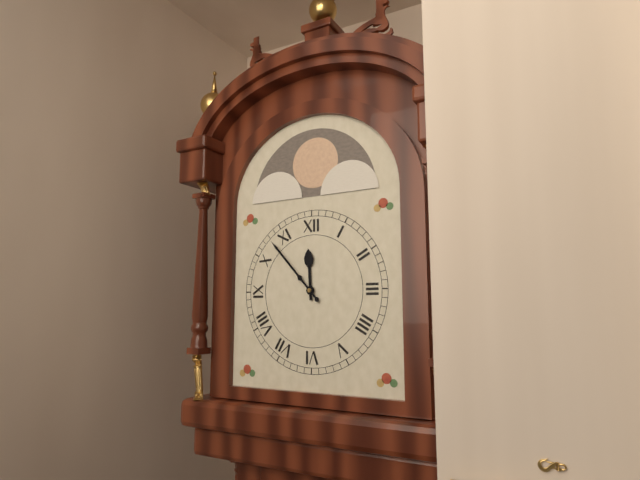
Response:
h=11 m=53
